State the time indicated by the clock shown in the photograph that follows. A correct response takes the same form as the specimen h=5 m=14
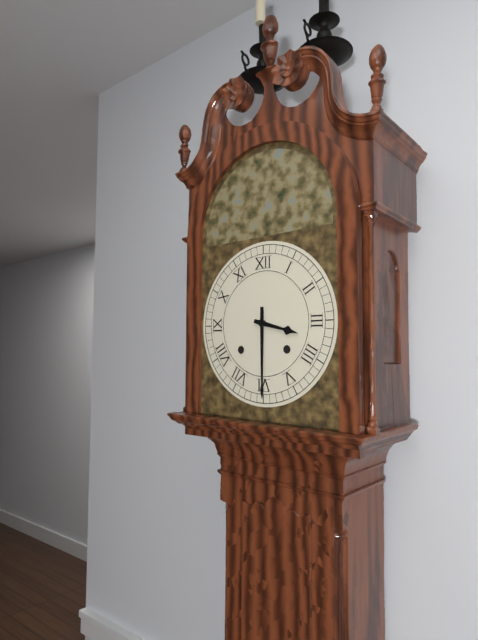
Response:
h=3 m=30
